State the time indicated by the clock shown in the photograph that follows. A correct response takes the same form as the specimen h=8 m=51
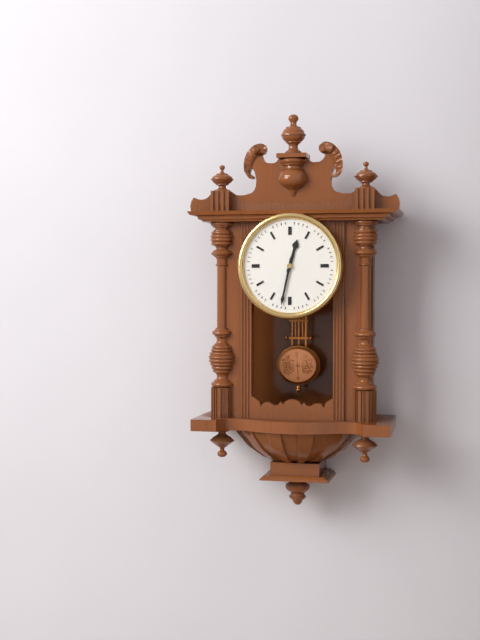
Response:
h=12 m=32
